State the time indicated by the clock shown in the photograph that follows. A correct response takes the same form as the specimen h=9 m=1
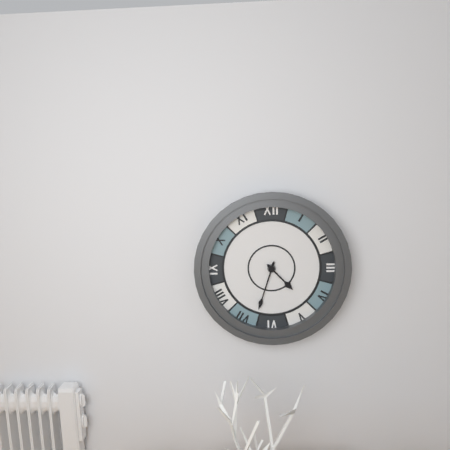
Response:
h=4 m=33
